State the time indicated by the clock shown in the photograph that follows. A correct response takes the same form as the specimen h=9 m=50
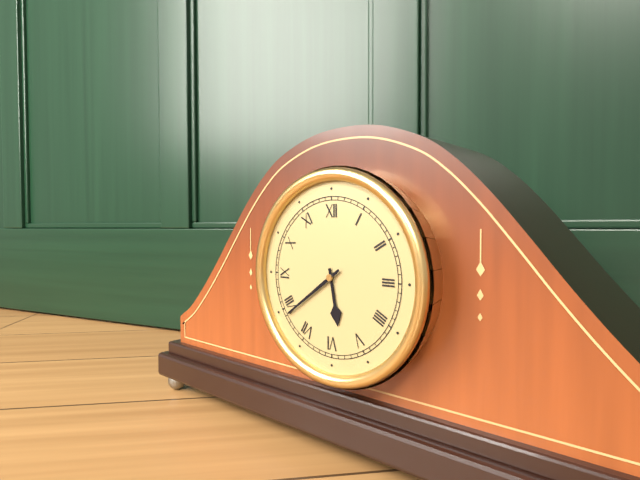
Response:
h=5 m=39
